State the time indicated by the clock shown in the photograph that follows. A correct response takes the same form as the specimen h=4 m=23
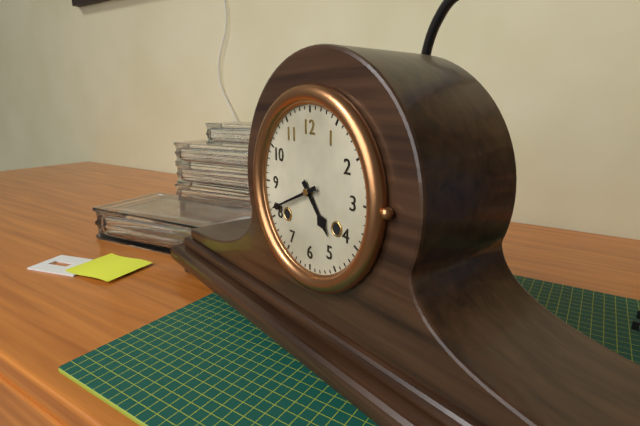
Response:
h=4 m=41
